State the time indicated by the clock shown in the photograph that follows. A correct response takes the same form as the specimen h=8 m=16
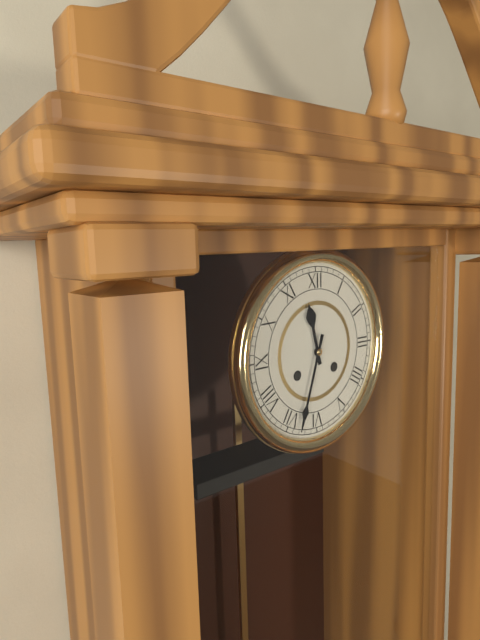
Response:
h=11 m=33
